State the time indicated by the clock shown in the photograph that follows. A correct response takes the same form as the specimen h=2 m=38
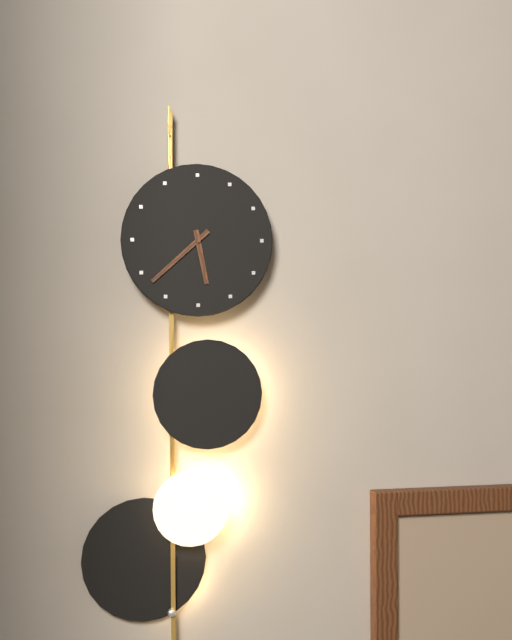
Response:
h=5 m=38
